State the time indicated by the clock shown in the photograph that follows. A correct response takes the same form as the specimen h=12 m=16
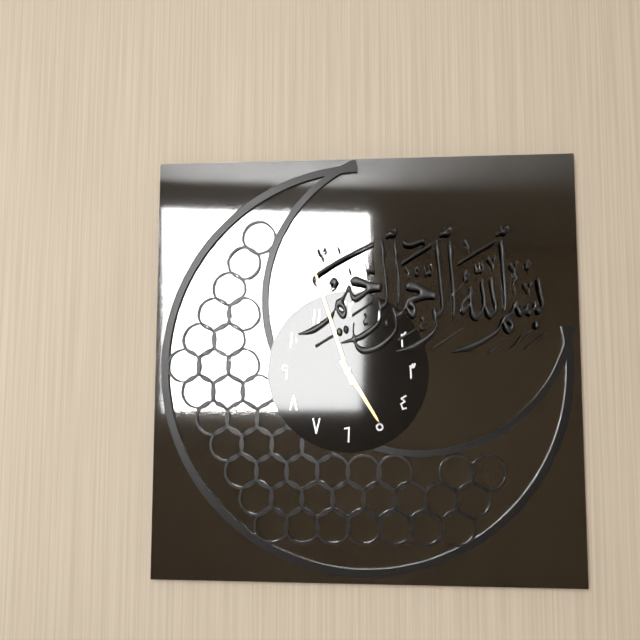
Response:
h=4 m=57
